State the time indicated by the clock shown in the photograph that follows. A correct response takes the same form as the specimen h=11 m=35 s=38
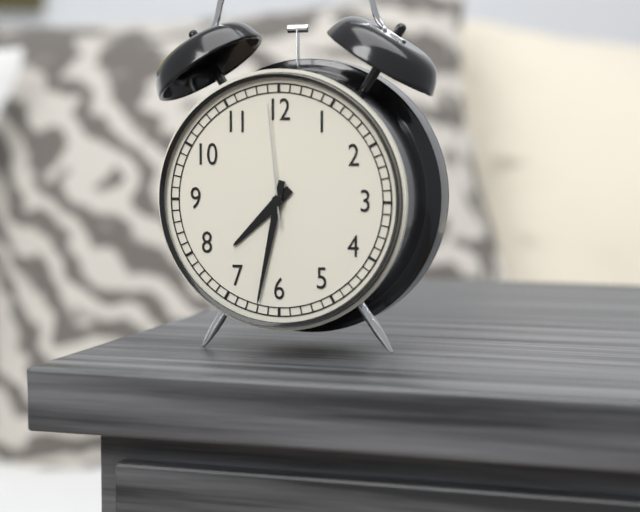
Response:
h=7 m=32 s=59
